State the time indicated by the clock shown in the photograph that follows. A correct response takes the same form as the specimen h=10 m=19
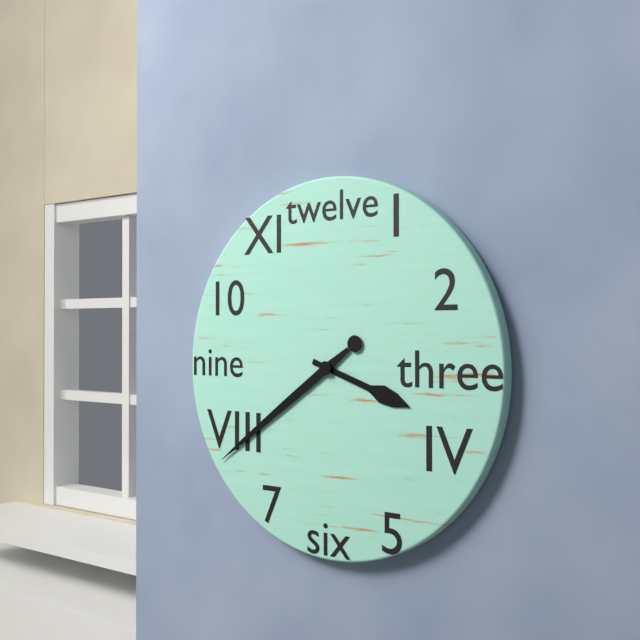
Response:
h=3 m=39
